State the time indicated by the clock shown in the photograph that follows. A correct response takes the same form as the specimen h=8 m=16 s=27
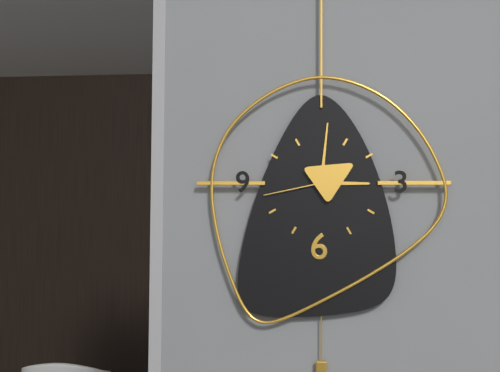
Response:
h=3 m=1 s=43
